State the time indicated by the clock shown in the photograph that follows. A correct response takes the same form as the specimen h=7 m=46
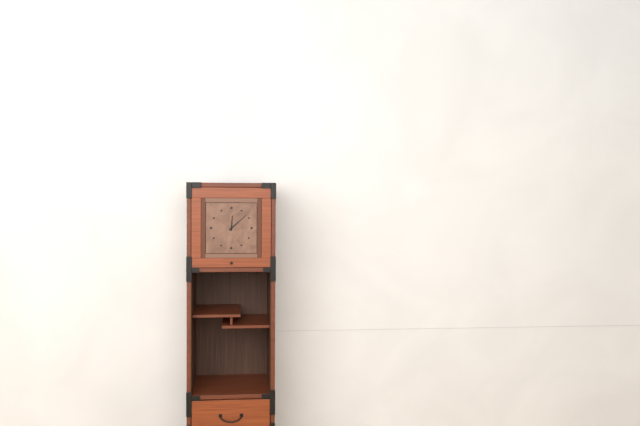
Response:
h=12 m=8
